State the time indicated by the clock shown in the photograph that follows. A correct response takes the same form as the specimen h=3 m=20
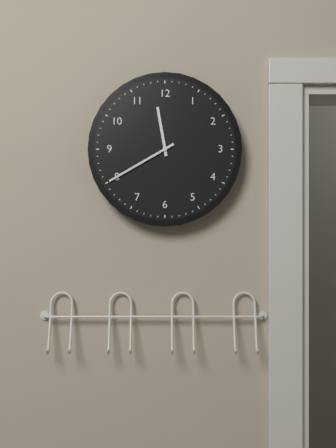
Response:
h=11 m=40
